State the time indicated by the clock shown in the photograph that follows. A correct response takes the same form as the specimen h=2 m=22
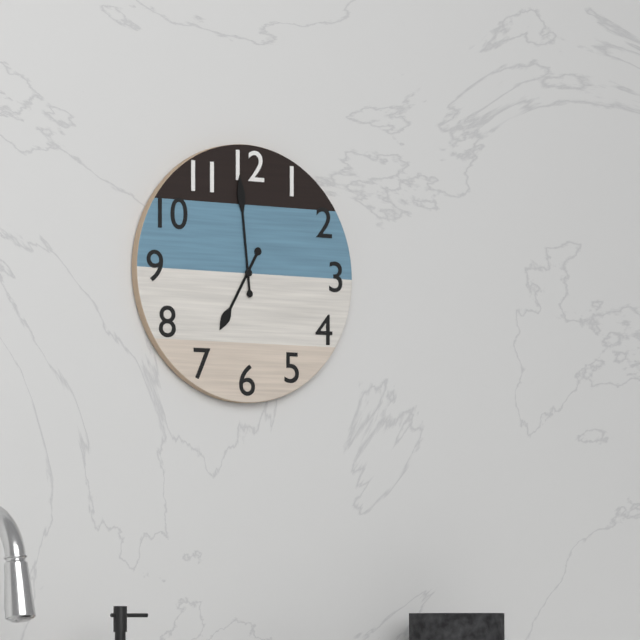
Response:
h=6 m=59
